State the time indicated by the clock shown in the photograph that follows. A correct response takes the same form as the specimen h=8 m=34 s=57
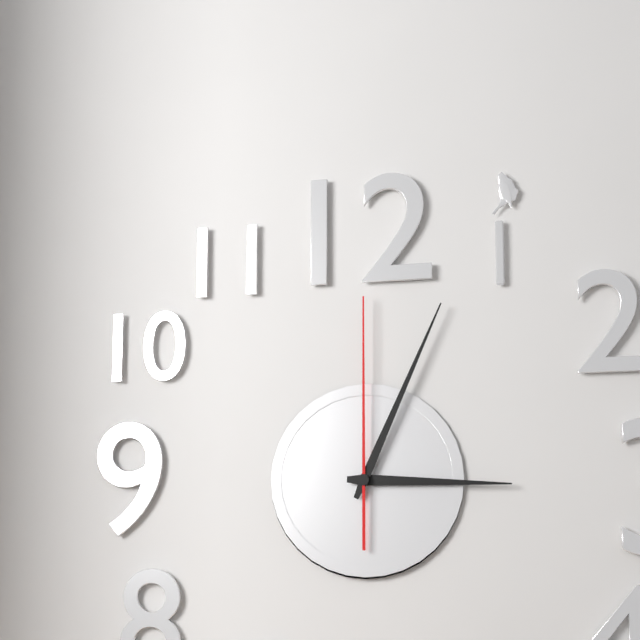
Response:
h=3 m=4 s=0
